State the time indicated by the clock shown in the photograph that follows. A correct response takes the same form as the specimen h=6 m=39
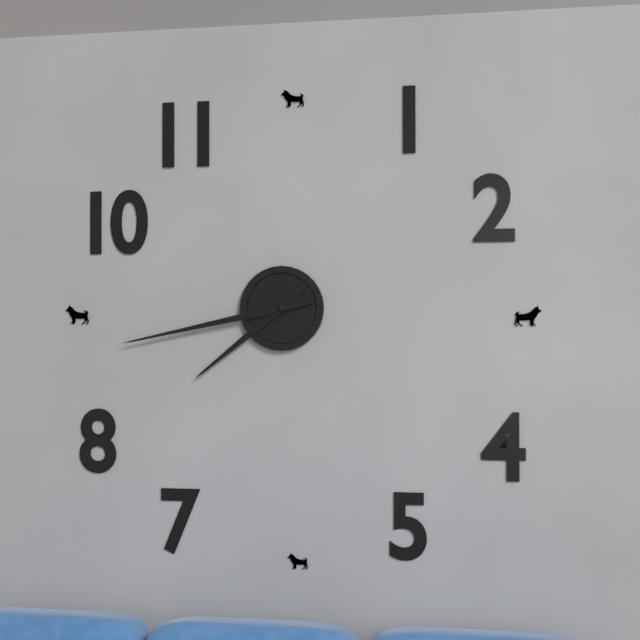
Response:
h=7 m=43
